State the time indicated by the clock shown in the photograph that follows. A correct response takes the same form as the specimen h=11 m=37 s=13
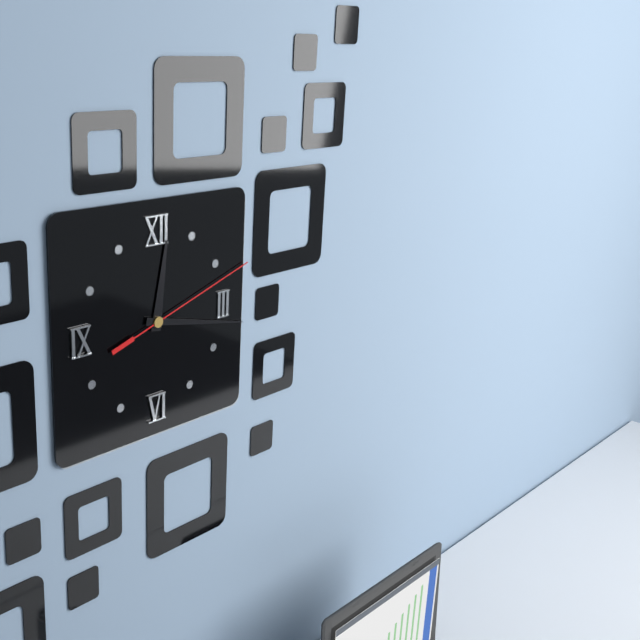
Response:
h=12 m=17 s=12
